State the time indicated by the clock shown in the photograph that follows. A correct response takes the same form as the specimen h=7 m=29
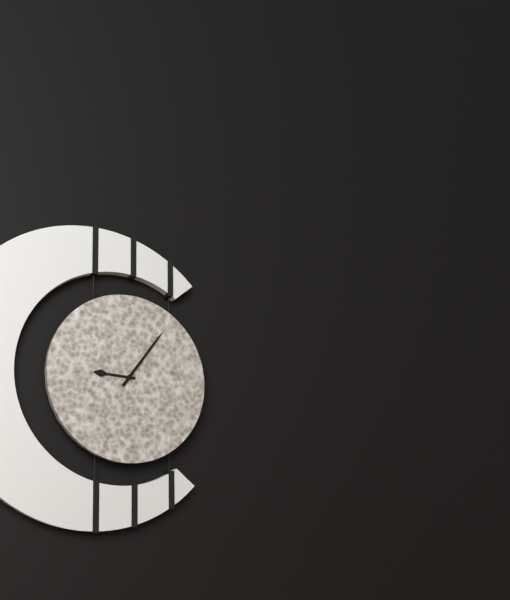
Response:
h=9 m=6
